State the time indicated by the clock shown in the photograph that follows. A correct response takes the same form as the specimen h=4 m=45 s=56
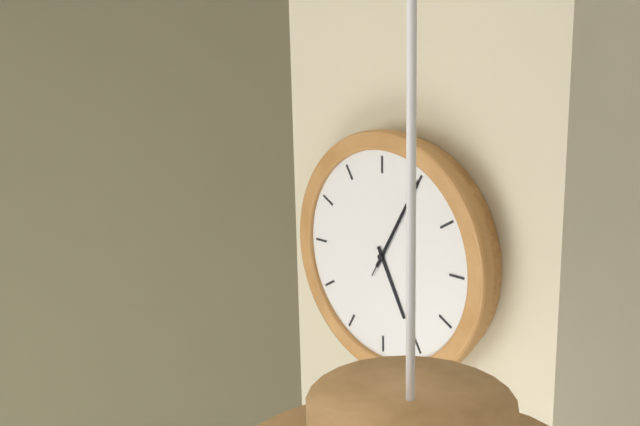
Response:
h=5 m=5 s=5
